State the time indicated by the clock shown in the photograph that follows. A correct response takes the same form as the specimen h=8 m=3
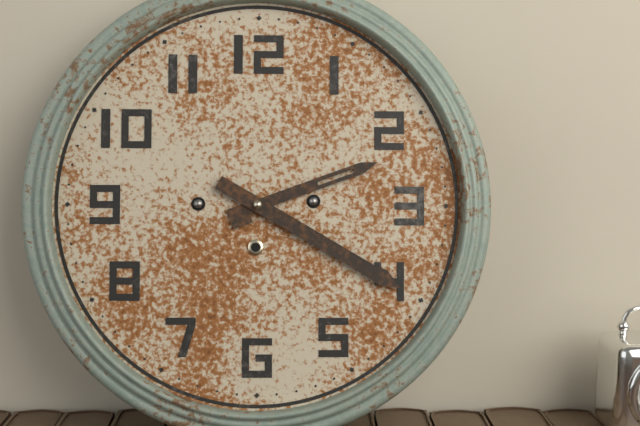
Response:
h=2 m=20
